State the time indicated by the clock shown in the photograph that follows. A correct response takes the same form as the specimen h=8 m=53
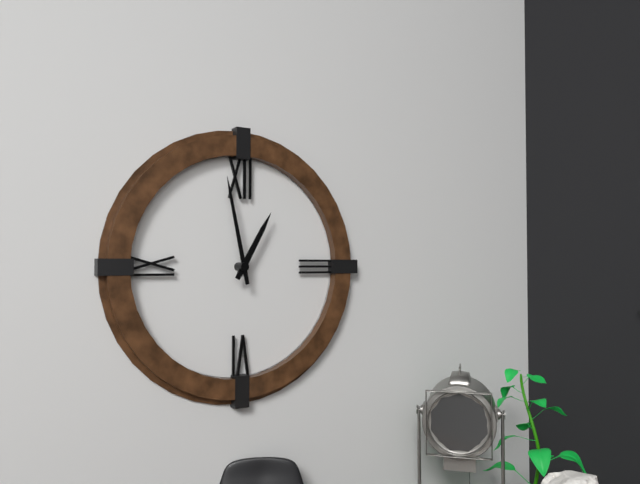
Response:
h=12 m=58
